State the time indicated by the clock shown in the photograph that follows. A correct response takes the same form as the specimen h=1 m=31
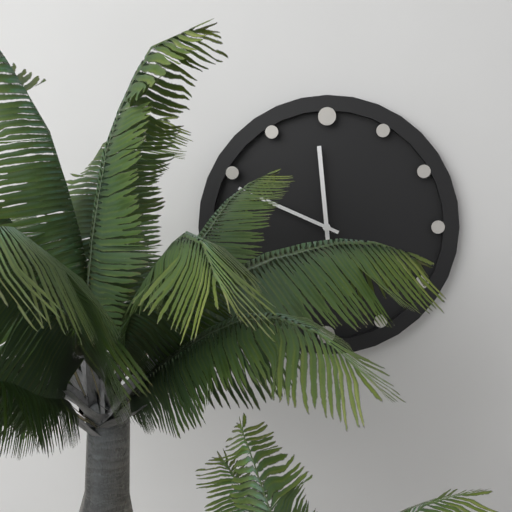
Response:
h=11 m=49
